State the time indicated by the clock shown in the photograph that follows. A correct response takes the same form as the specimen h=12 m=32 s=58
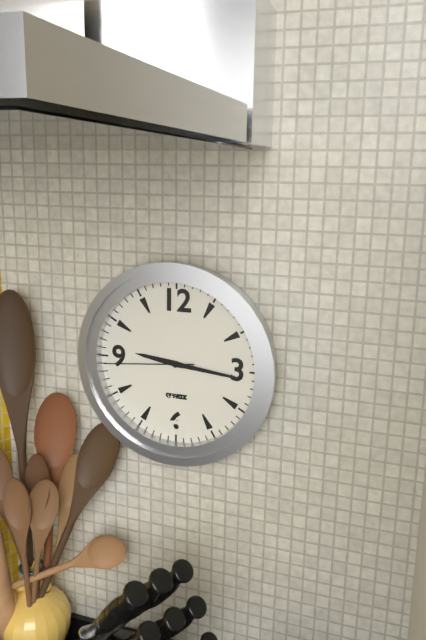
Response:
h=9 m=16 s=44
